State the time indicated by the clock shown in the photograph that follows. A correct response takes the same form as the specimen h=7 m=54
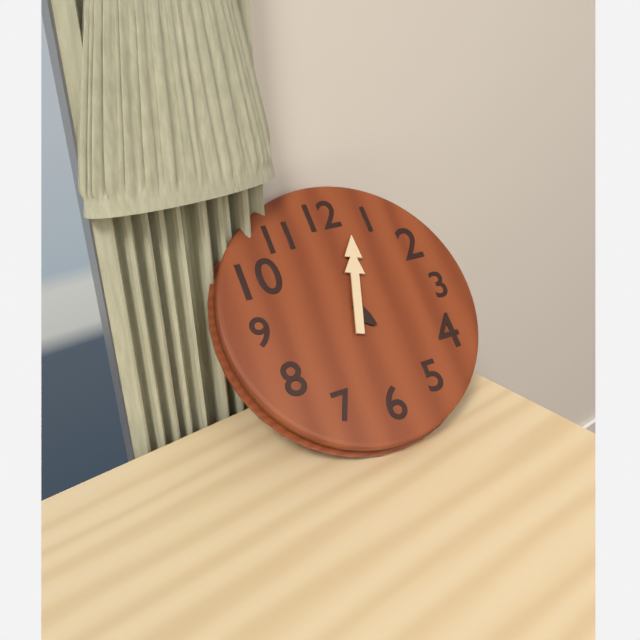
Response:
h=5 m=3
